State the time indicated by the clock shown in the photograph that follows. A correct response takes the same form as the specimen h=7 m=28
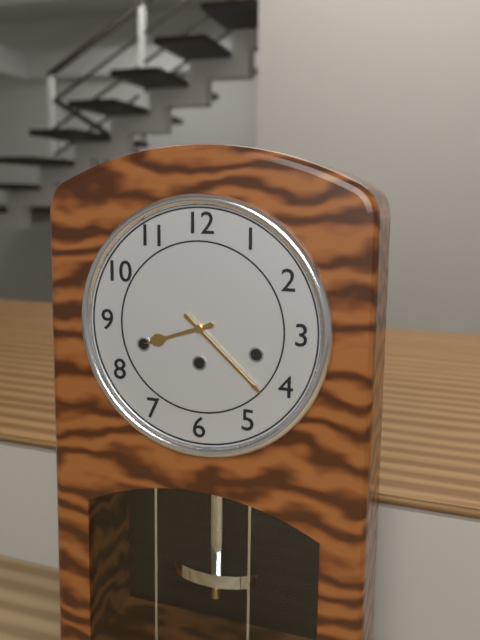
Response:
h=8 m=22
